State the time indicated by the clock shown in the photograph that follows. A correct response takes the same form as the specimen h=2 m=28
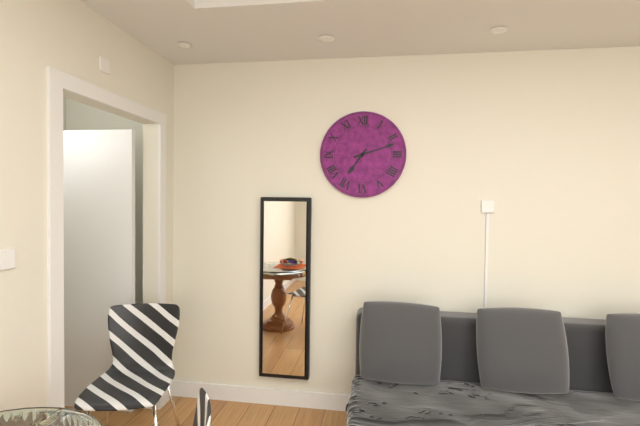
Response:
h=7 m=12
